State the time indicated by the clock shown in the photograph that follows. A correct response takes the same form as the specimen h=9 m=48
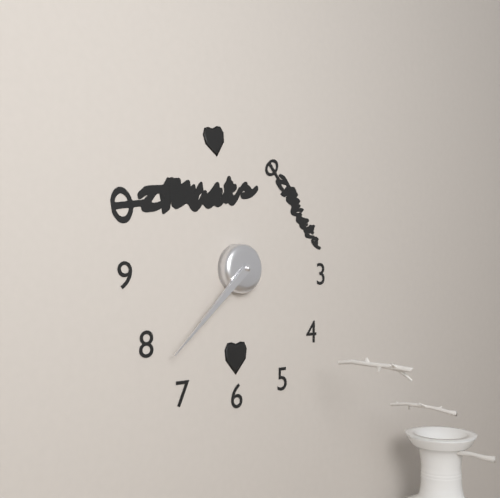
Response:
h=7 m=38
